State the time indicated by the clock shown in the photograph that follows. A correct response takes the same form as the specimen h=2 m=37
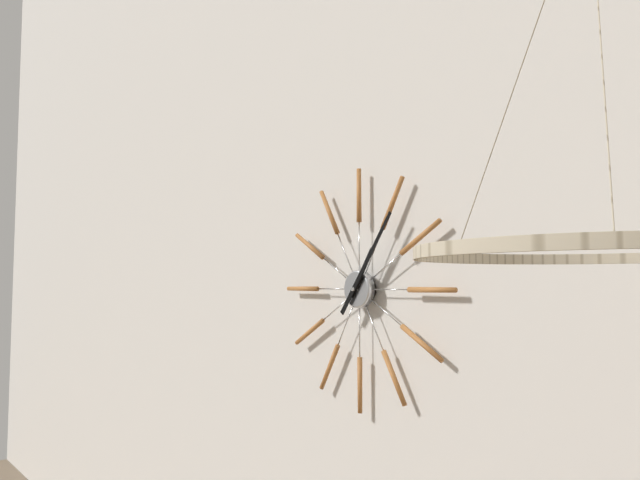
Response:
h=1 m=6
